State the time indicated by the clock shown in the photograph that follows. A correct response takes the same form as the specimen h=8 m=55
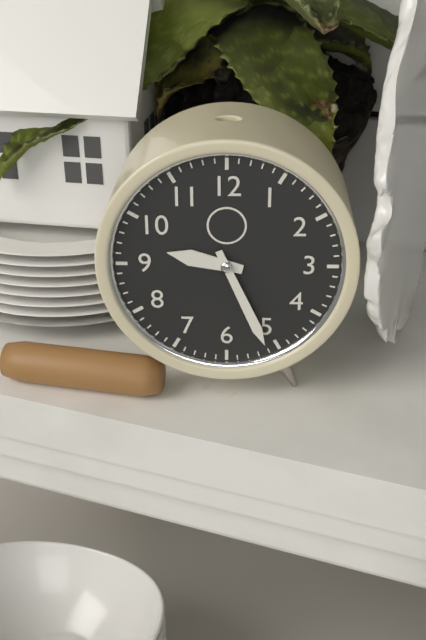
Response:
h=9 m=26
